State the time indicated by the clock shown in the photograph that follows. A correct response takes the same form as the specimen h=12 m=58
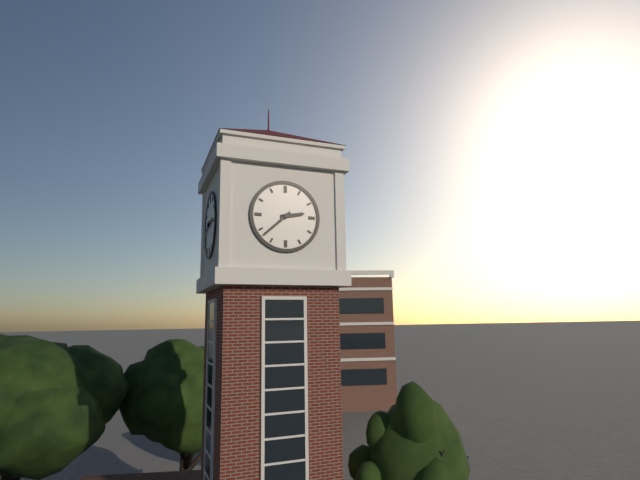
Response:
h=2 m=38
